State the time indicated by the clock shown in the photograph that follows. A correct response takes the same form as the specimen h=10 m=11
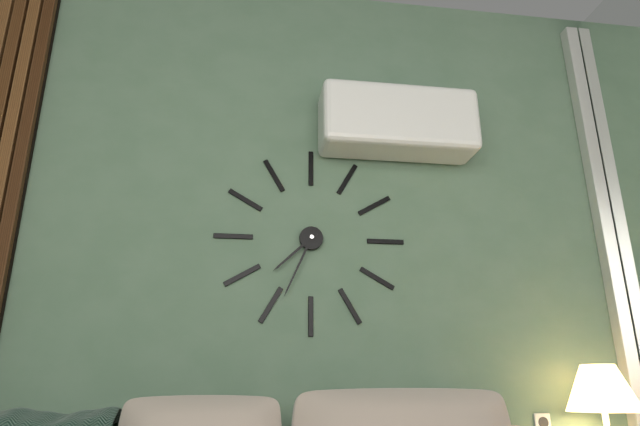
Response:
h=7 m=34
